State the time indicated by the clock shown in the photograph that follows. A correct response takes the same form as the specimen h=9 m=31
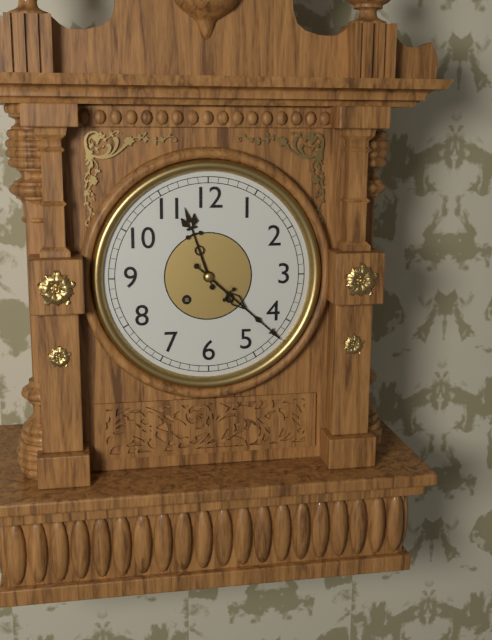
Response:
h=11 m=22
